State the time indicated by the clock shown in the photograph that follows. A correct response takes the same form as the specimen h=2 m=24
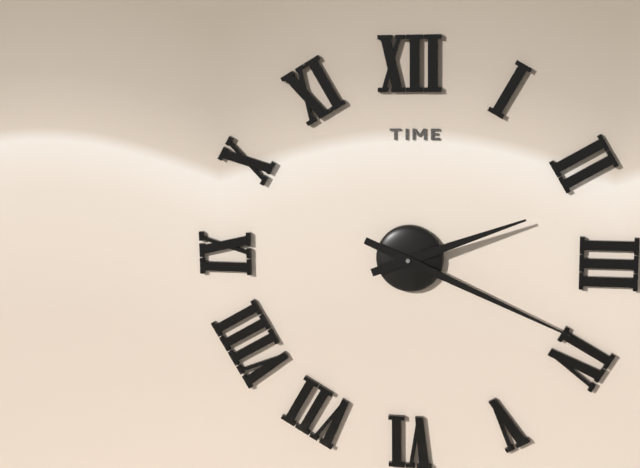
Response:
h=2 m=19
